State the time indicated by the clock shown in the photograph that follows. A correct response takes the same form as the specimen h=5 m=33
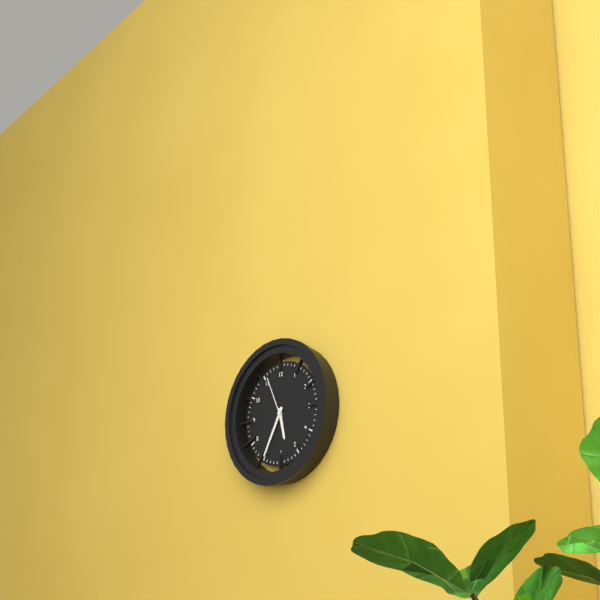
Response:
h=5 m=35
